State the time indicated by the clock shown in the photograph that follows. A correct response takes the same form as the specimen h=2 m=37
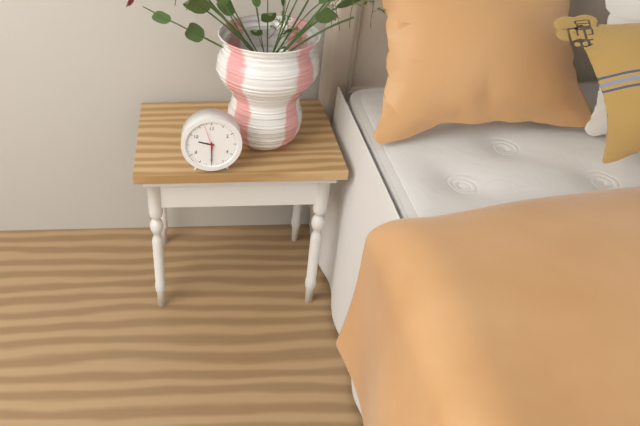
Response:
h=9 m=30
